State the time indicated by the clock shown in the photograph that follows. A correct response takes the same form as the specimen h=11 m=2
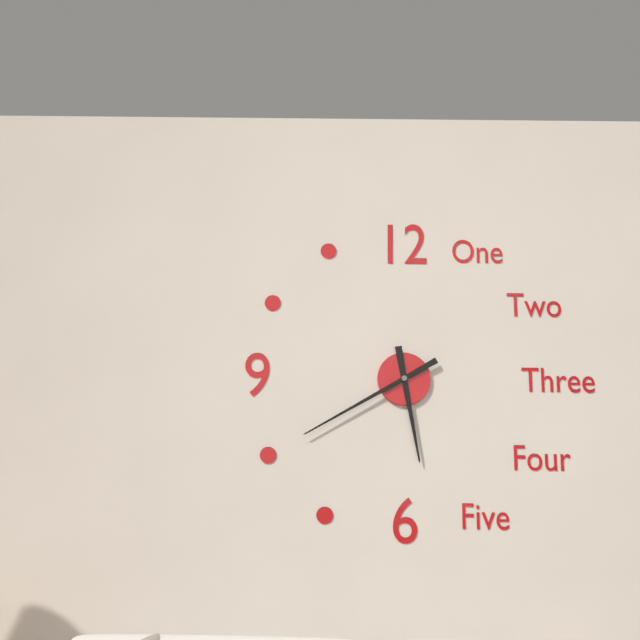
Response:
h=5 m=40
